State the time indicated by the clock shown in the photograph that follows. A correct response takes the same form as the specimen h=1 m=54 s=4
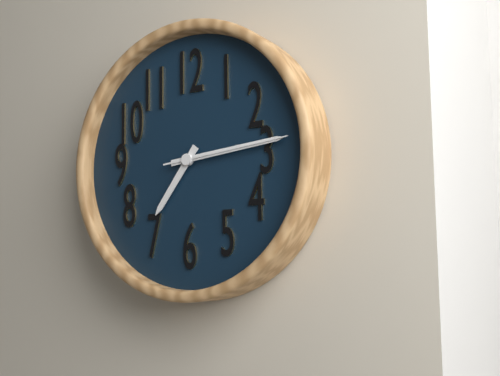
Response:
h=7 m=14 s=14
